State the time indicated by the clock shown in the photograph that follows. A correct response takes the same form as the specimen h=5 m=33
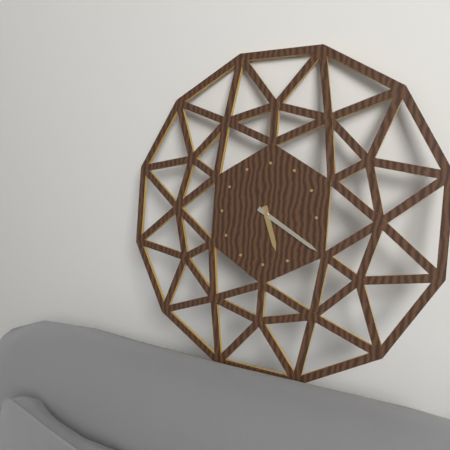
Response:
h=5 m=20
